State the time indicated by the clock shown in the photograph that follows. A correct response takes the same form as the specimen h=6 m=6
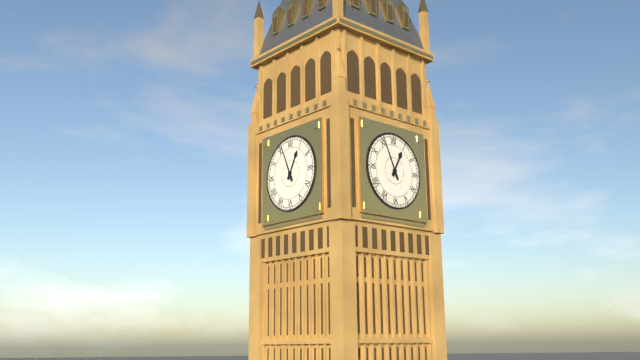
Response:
h=12 m=56
